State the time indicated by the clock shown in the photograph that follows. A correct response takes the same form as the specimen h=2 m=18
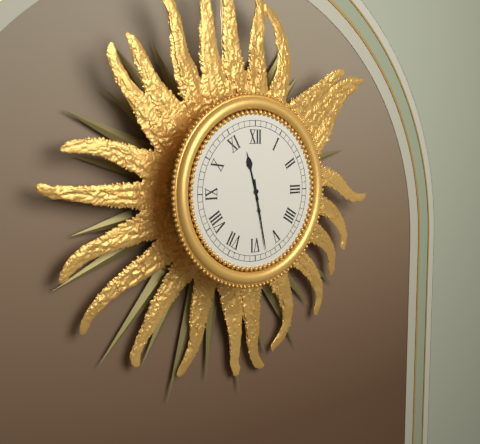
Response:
h=11 m=28
